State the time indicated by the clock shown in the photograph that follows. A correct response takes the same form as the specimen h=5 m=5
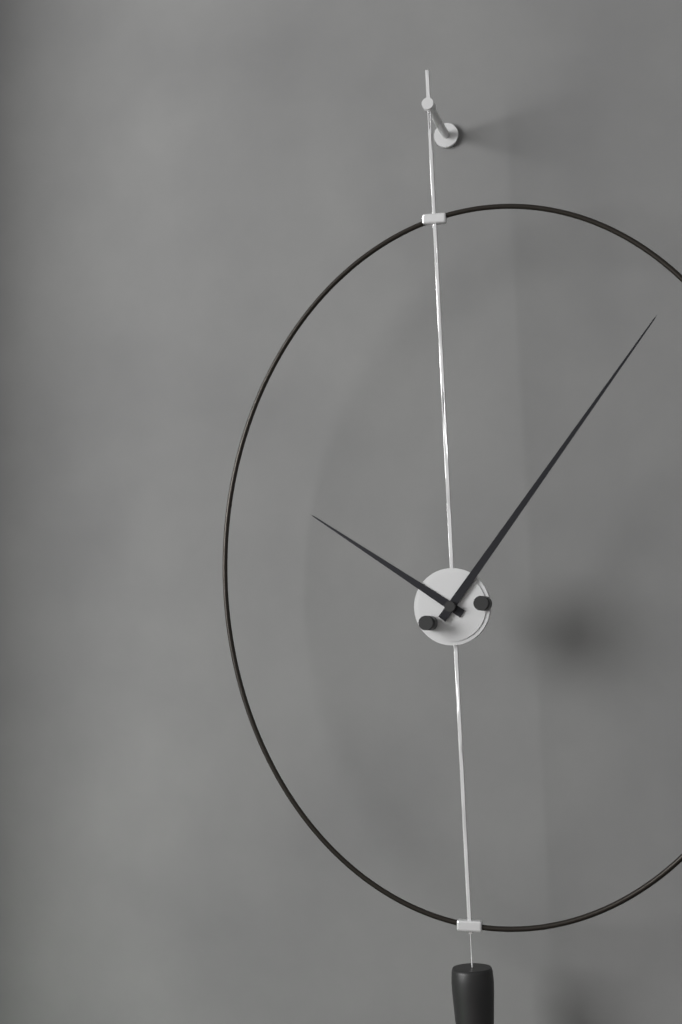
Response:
h=10 m=6
